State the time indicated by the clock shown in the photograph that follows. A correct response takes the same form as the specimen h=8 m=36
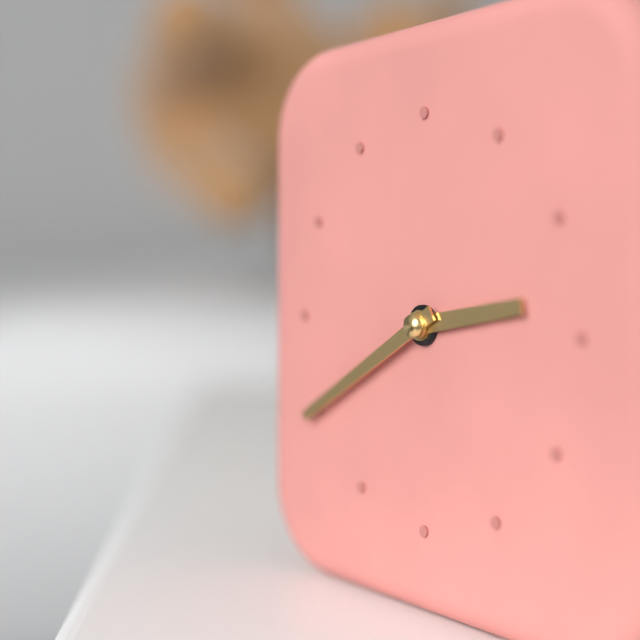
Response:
h=2 m=40
